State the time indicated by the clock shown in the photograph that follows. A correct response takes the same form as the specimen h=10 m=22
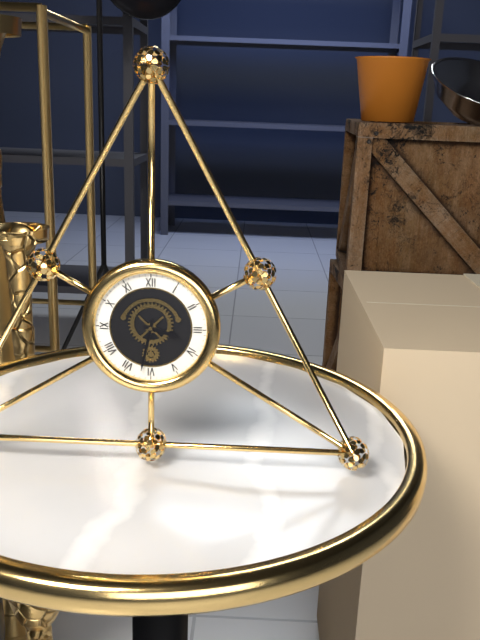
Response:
h=3 m=32
